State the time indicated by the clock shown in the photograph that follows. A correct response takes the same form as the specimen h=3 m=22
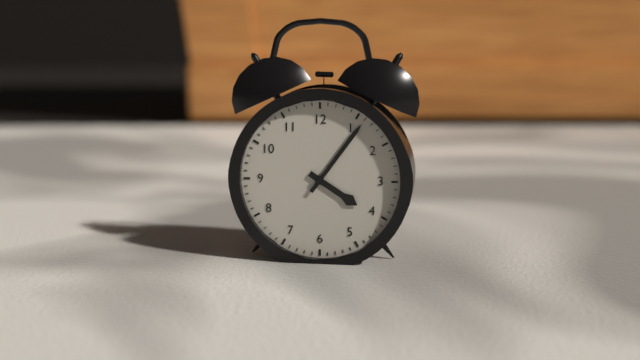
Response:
h=4 m=6
